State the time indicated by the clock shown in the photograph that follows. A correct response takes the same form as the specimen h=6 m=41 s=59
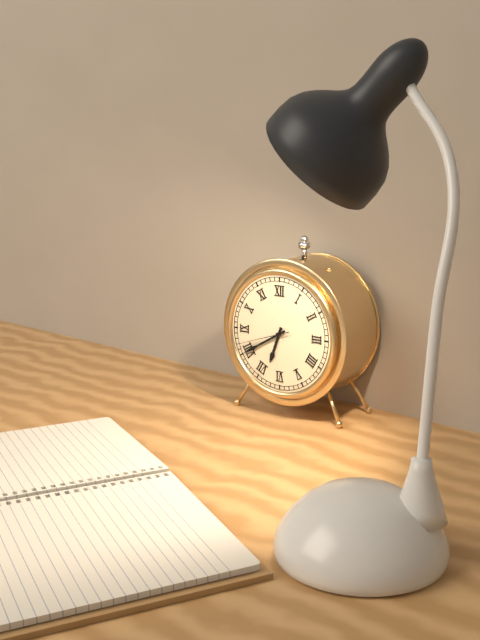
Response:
h=6 m=40 s=42
